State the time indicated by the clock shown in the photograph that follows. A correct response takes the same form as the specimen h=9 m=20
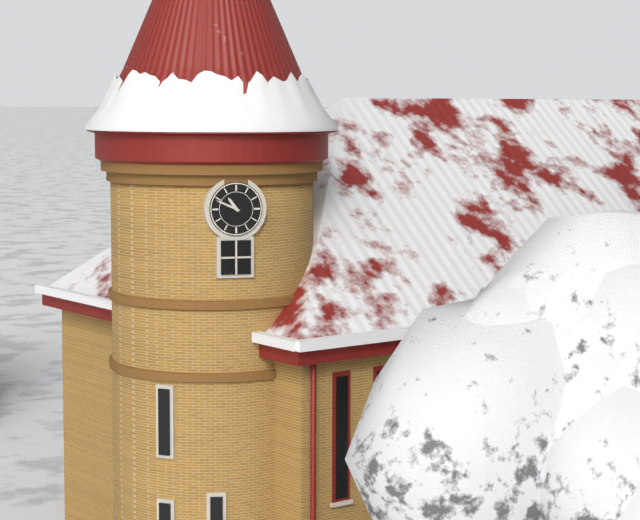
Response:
h=10 m=49
